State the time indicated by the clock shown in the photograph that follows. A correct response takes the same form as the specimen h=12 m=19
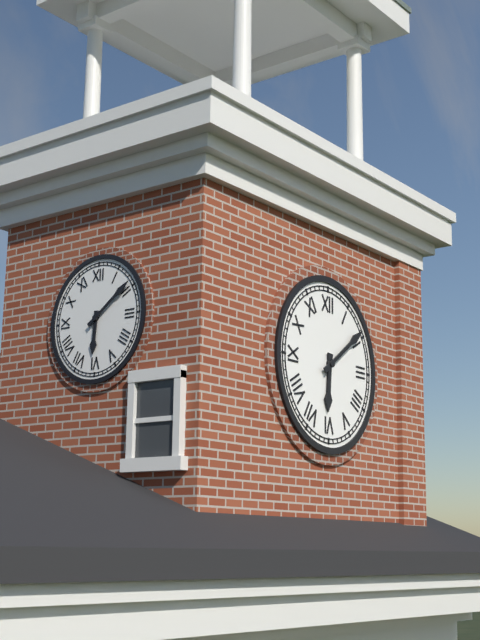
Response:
h=6 m=9
